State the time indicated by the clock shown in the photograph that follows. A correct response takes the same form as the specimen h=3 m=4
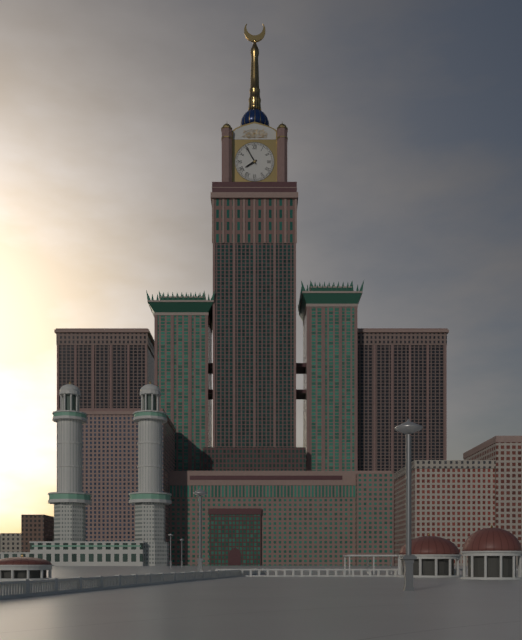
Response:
h=7 m=55
